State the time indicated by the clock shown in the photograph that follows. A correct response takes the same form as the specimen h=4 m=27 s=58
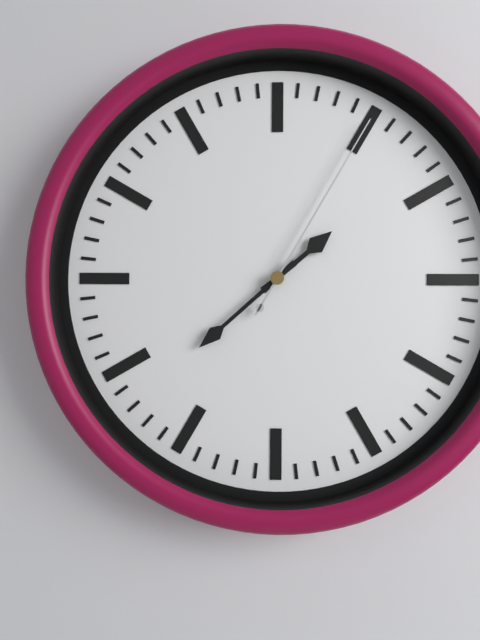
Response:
h=1 m=38 s=5
